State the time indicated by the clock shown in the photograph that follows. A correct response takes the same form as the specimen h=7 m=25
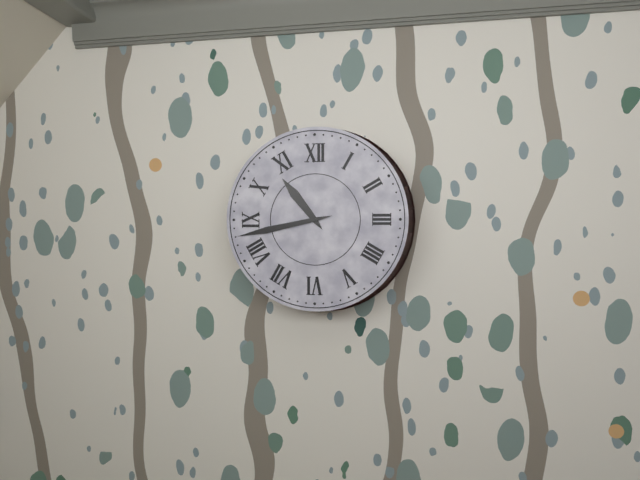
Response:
h=10 m=43
